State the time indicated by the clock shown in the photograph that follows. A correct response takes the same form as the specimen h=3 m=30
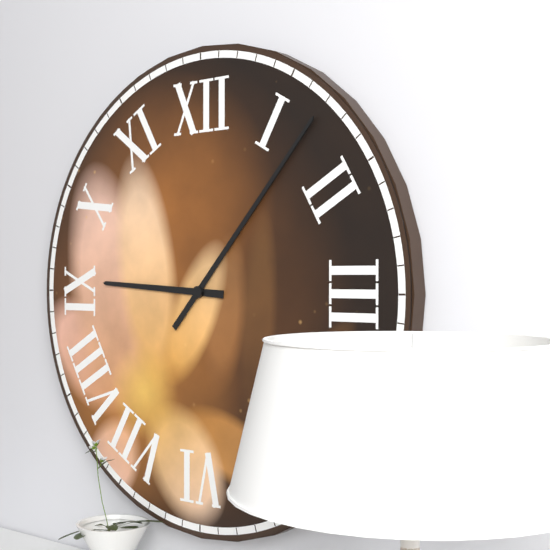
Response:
h=9 m=7
